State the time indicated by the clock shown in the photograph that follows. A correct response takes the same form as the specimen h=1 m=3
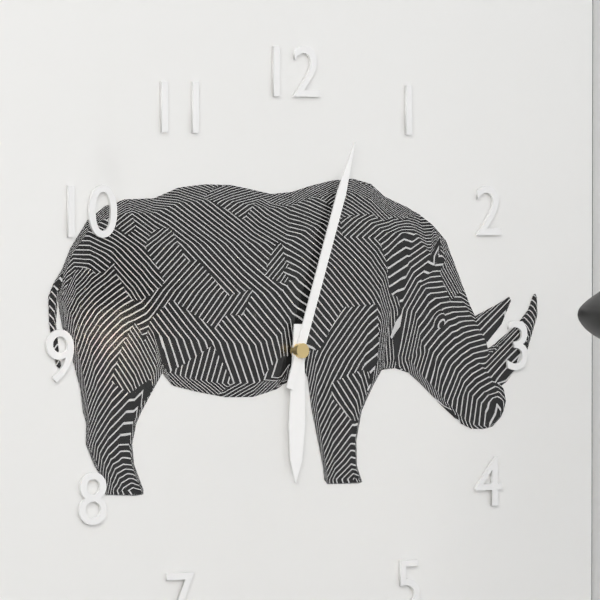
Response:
h=6 m=3
